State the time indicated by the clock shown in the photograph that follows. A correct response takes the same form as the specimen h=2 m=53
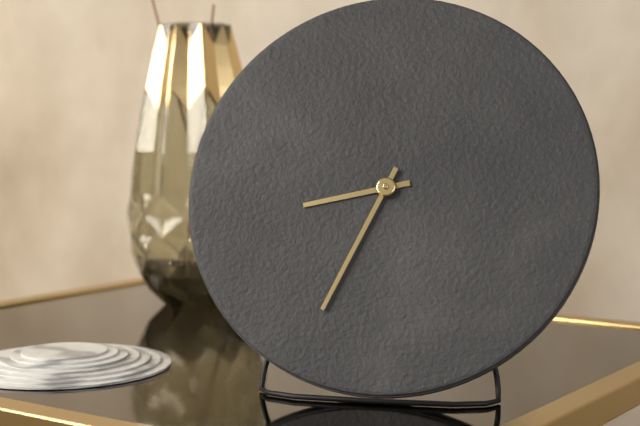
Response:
h=8 m=34
